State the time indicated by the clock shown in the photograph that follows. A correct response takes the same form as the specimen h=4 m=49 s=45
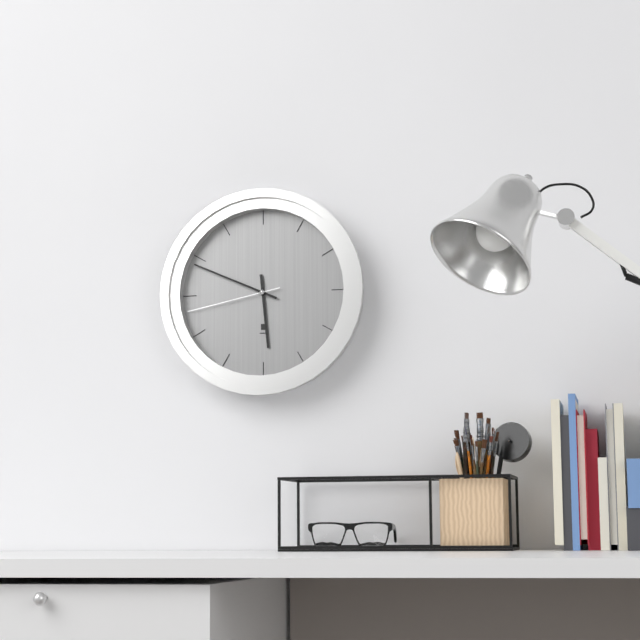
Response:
h=5 m=49 s=43
